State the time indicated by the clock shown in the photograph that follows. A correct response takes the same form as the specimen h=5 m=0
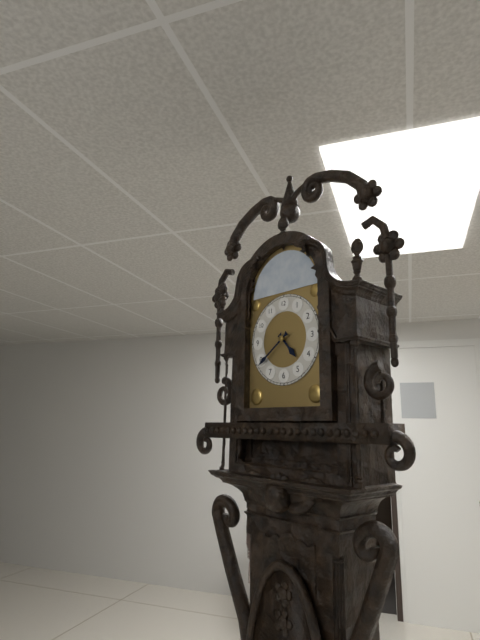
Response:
h=4 m=39
